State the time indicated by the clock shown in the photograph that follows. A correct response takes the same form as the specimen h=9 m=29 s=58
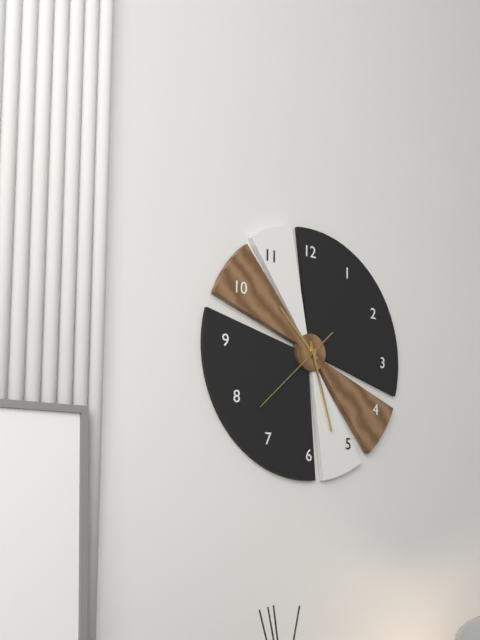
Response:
h=10 m=27 s=38
